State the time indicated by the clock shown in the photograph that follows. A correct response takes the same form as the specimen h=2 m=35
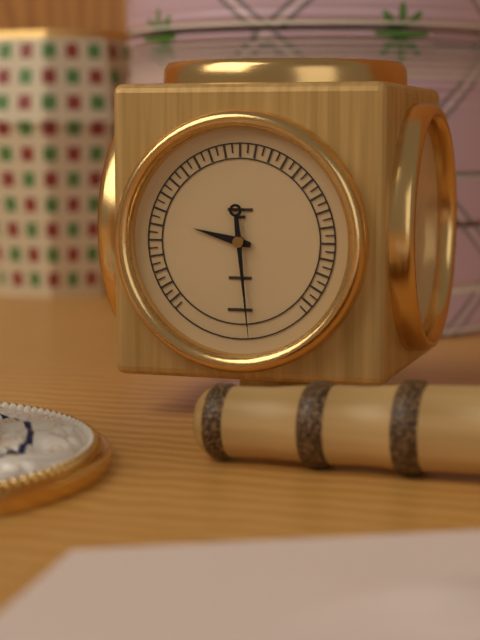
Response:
h=9 m=29
